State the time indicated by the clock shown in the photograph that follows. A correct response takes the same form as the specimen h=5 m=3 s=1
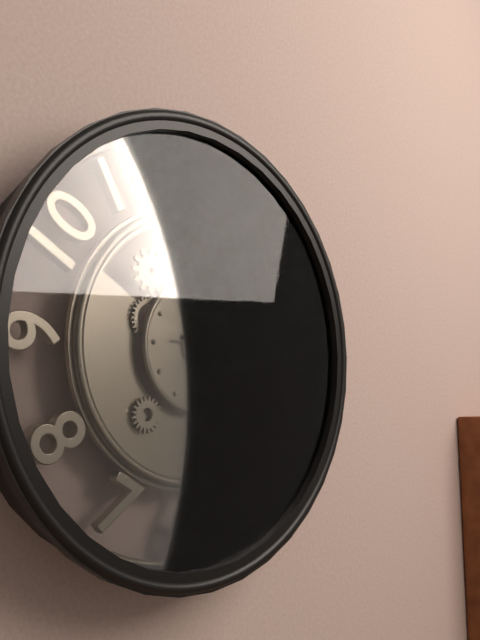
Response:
h=4 m=0 s=17
